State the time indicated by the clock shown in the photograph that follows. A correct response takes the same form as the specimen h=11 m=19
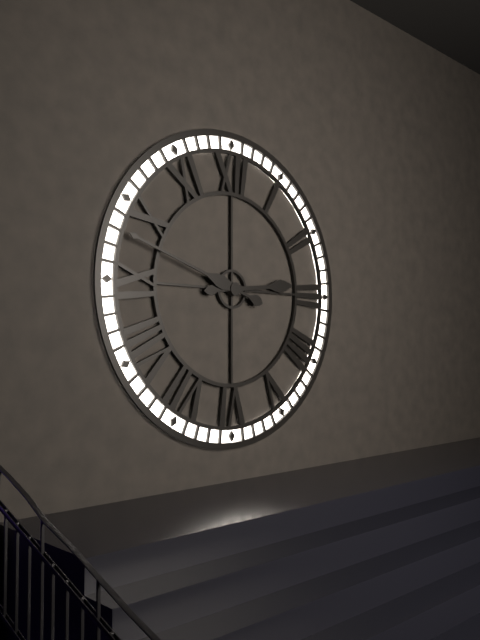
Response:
h=2 m=48
